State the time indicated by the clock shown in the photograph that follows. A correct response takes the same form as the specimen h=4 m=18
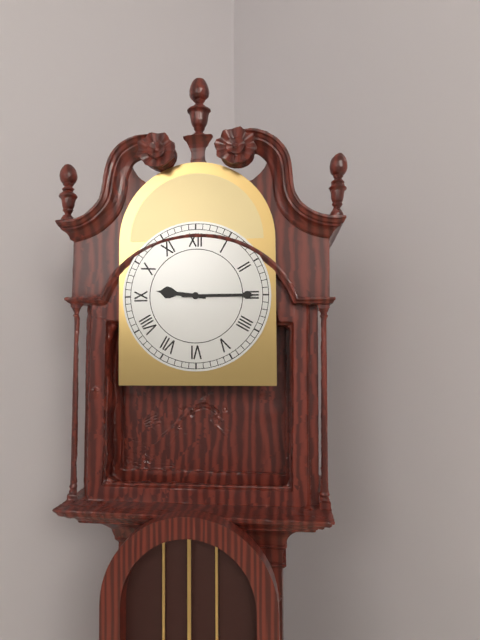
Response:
h=9 m=15
